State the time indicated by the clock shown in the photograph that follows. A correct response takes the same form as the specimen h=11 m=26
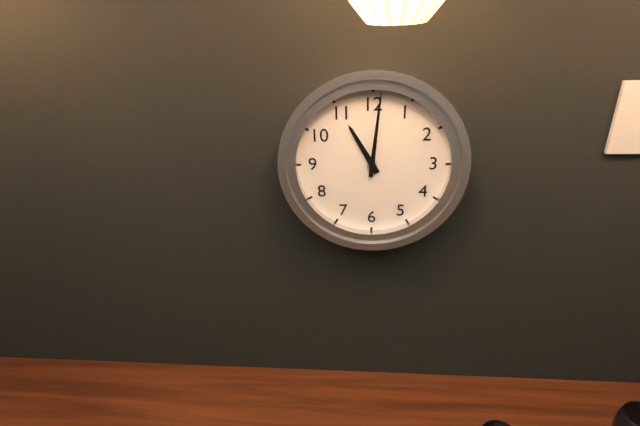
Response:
h=11 m=1
